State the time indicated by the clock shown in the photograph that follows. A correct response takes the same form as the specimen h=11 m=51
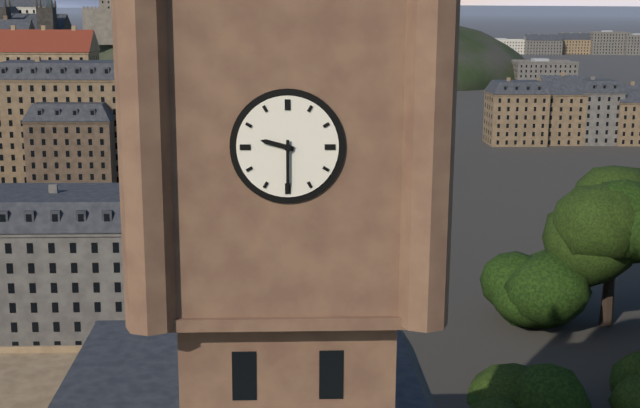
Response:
h=9 m=30
